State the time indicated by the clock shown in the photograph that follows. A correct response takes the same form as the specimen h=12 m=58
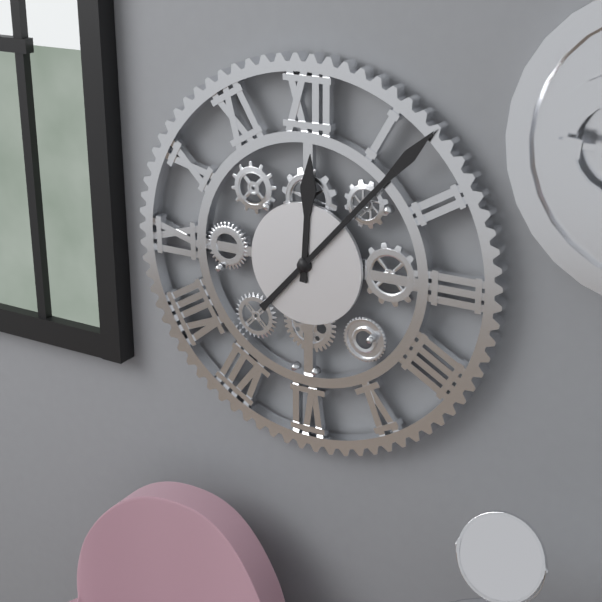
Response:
h=12 m=7
